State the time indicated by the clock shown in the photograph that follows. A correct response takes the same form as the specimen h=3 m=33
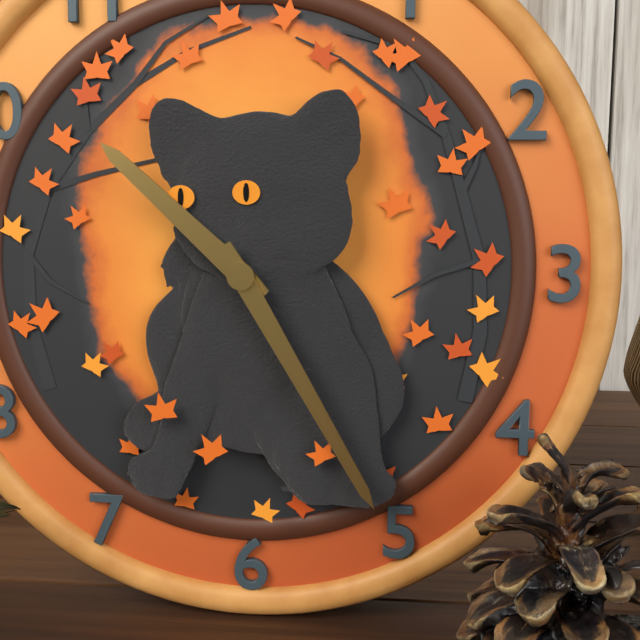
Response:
h=10 m=25
